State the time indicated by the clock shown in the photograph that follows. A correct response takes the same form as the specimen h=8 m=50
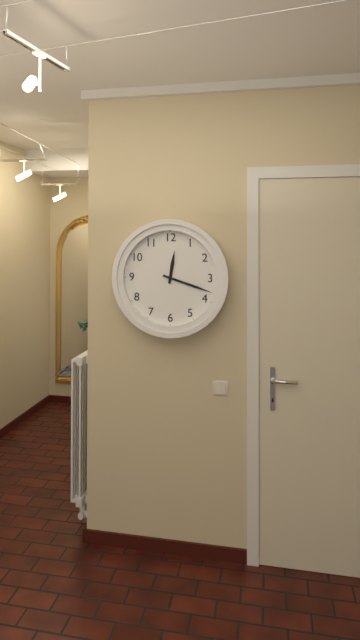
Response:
h=12 m=18
